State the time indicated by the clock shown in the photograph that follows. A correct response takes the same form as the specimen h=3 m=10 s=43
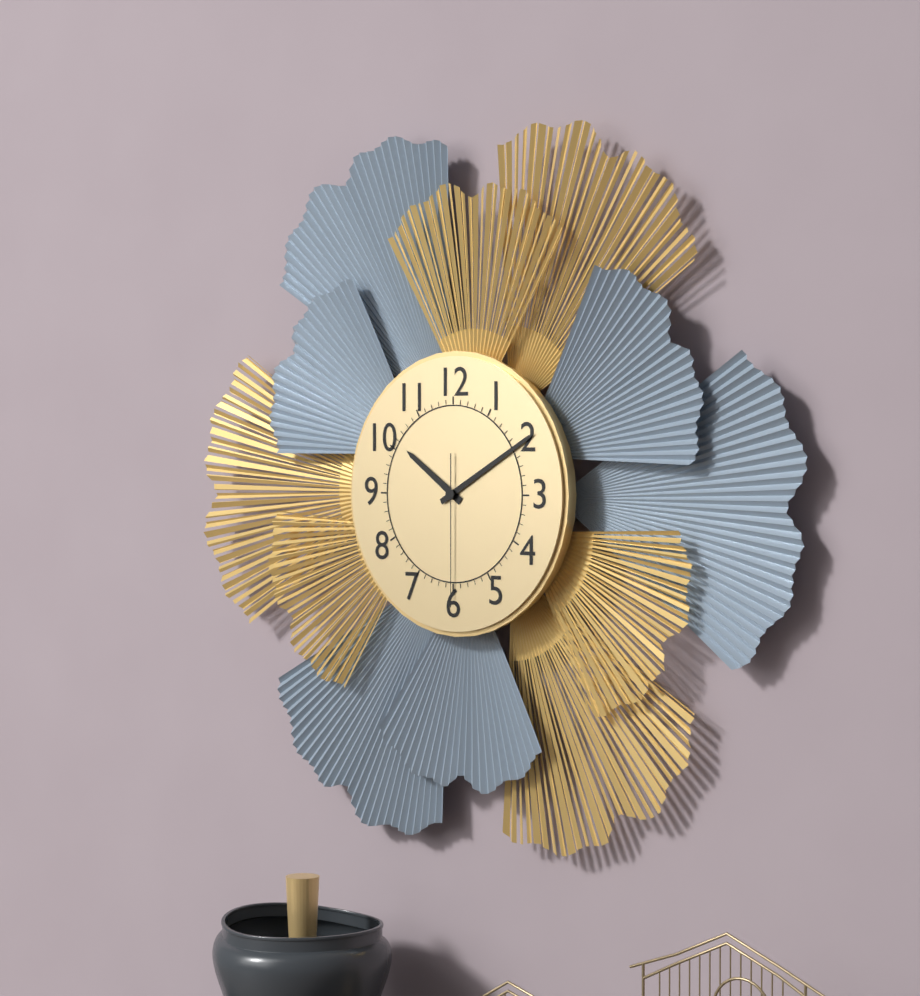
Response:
h=10 m=10 s=30
